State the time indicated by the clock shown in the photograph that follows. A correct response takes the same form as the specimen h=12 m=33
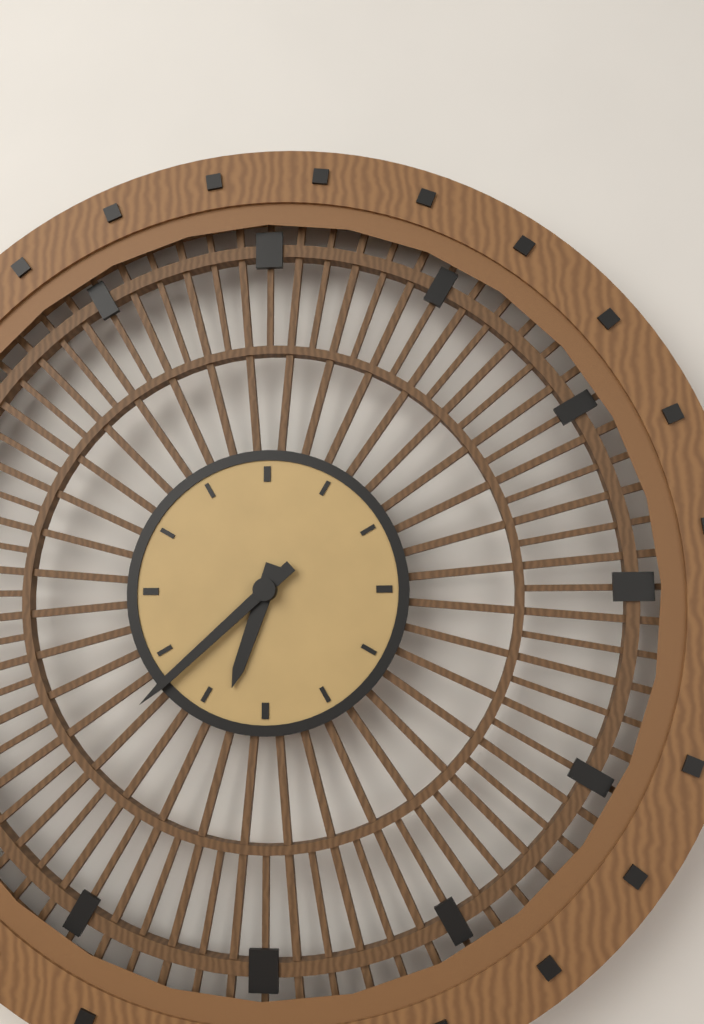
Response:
h=6 m=38
